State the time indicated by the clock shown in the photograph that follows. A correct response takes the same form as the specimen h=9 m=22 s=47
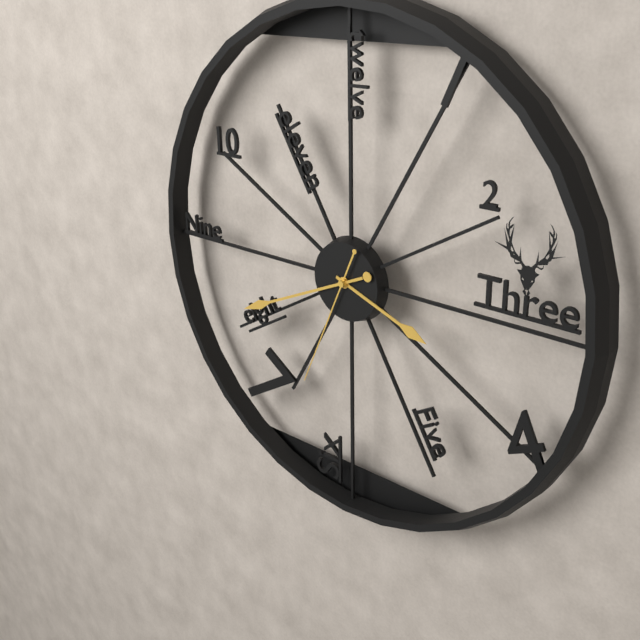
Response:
h=3 m=41 s=34
